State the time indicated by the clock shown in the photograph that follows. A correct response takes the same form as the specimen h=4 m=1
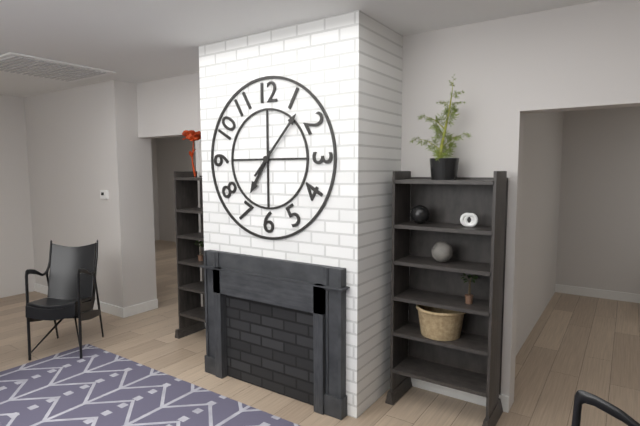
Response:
h=7 m=7
